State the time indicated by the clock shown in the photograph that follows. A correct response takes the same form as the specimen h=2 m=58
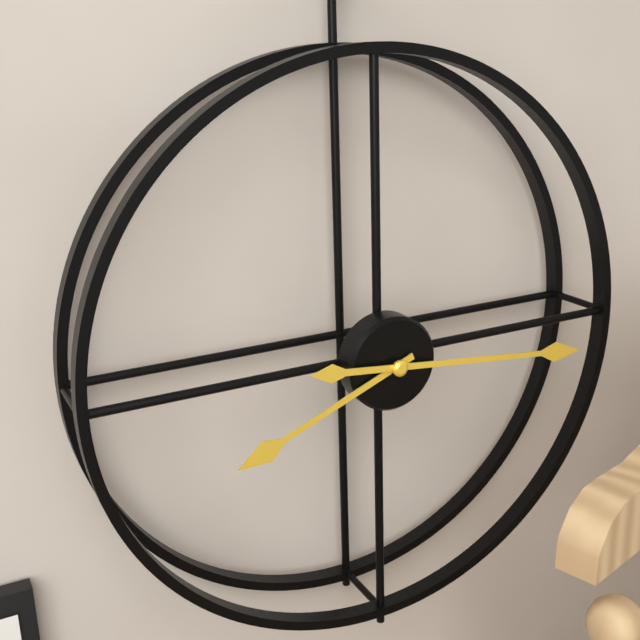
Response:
h=8 m=16
